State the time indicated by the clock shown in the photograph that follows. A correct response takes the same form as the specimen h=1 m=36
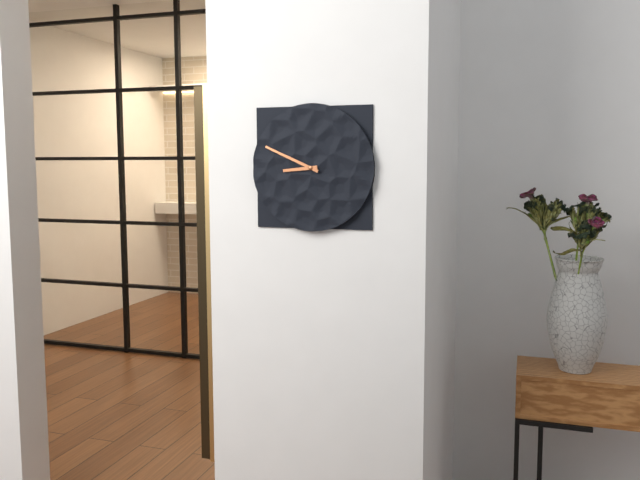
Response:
h=8 m=49
